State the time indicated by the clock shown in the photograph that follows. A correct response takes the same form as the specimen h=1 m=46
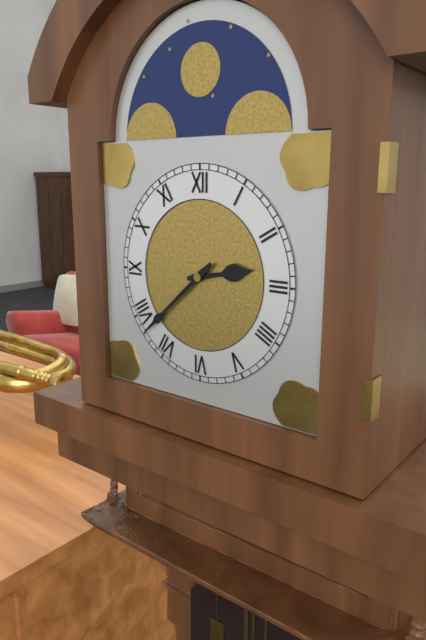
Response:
h=2 m=38
